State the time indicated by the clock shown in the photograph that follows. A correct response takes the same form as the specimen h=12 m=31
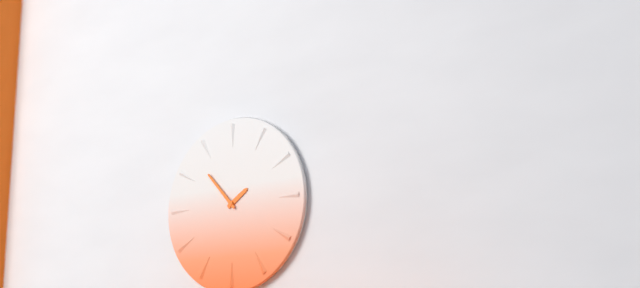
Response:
h=1 m=53
